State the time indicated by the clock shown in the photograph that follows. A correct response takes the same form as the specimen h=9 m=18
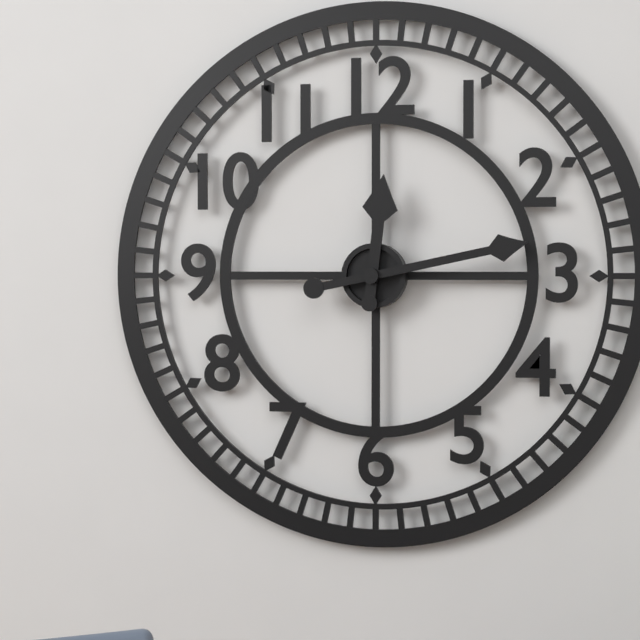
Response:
h=12 m=13
